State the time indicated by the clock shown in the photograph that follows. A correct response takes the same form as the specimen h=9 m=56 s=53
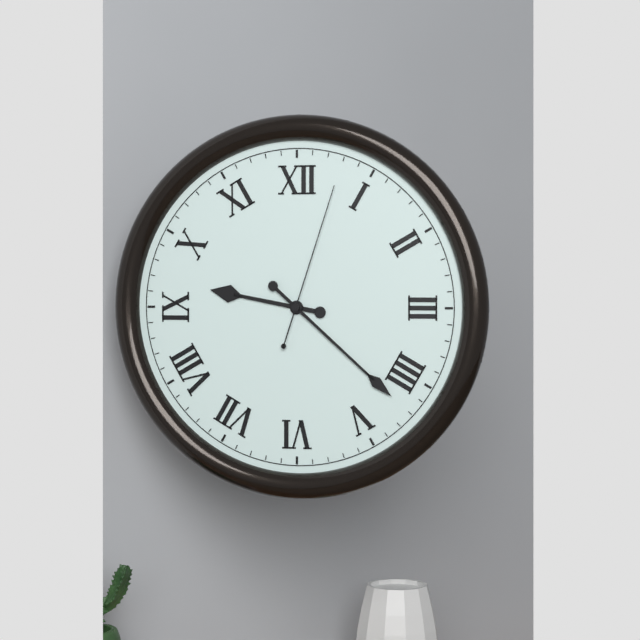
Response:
h=9 m=22 s=3
